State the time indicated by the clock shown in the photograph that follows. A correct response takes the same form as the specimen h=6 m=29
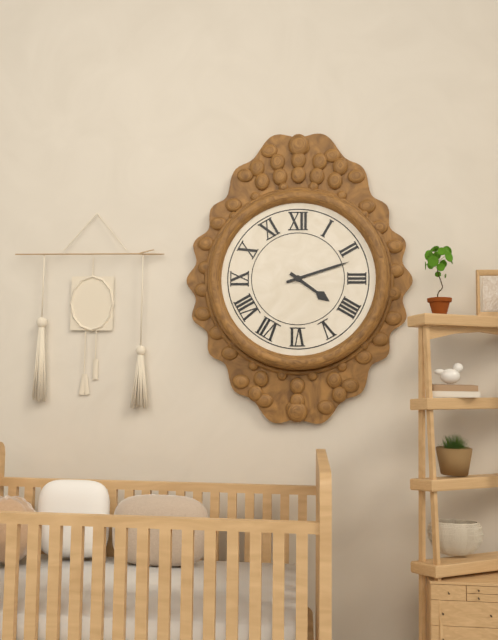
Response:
h=4 m=12
